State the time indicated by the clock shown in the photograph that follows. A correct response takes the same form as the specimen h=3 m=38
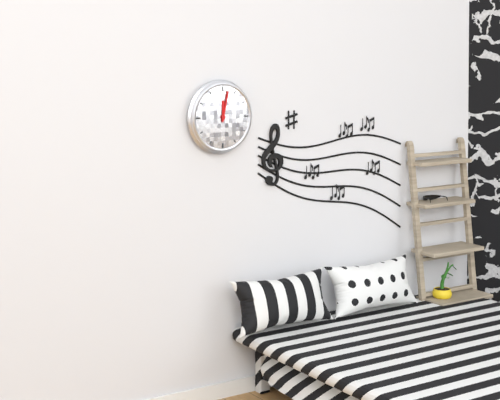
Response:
h=12 m=2
